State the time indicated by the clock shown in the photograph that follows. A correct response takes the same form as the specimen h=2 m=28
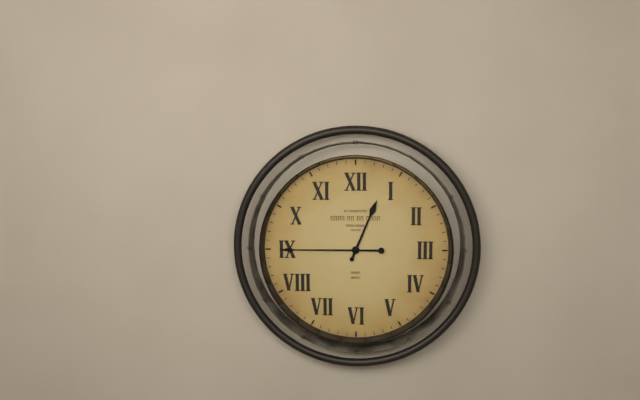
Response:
h=12 m=45
